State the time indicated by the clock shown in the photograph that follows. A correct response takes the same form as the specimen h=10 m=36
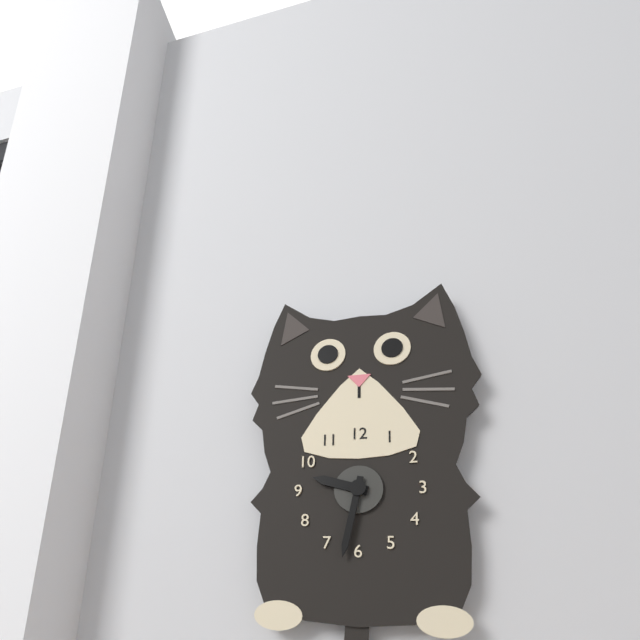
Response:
h=9 m=32
